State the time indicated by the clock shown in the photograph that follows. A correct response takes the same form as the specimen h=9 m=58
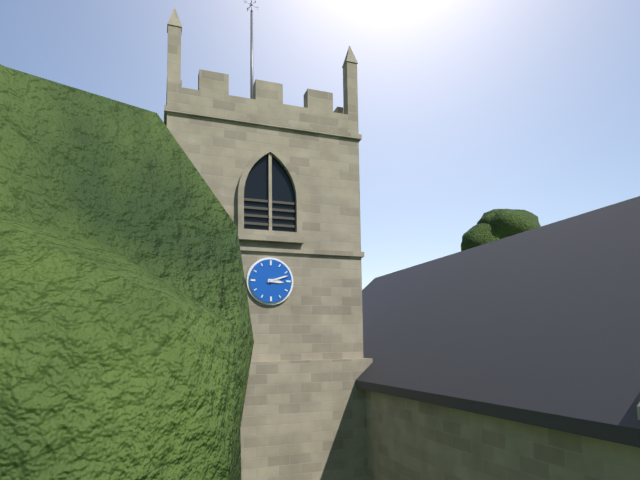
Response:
h=3 m=12
